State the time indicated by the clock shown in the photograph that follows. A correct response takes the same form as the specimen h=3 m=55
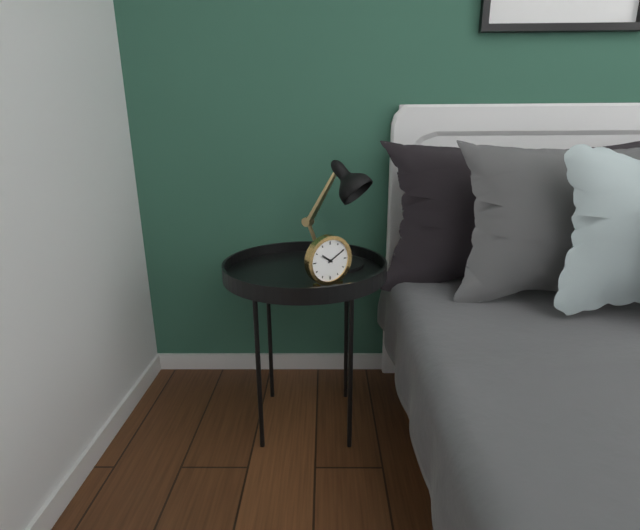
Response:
h=10 m=10
